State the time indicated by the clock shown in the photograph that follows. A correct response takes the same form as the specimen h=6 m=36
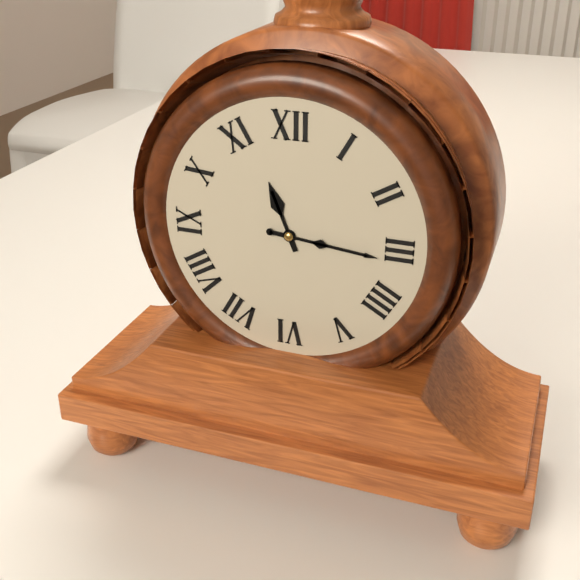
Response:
h=11 m=16
